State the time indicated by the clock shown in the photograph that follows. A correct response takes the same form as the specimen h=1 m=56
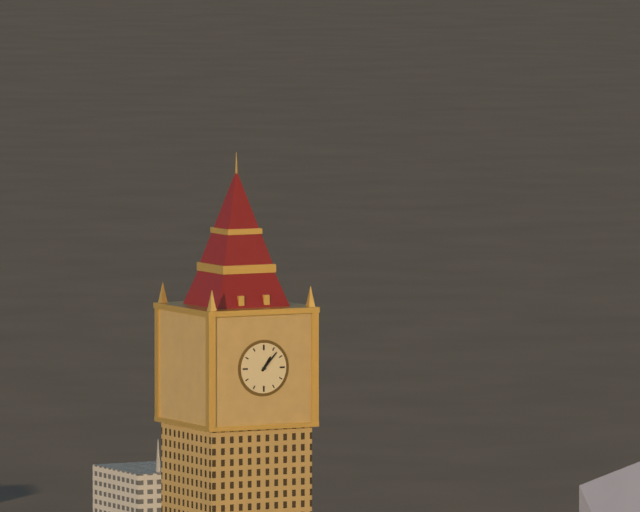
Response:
h=1 m=7
